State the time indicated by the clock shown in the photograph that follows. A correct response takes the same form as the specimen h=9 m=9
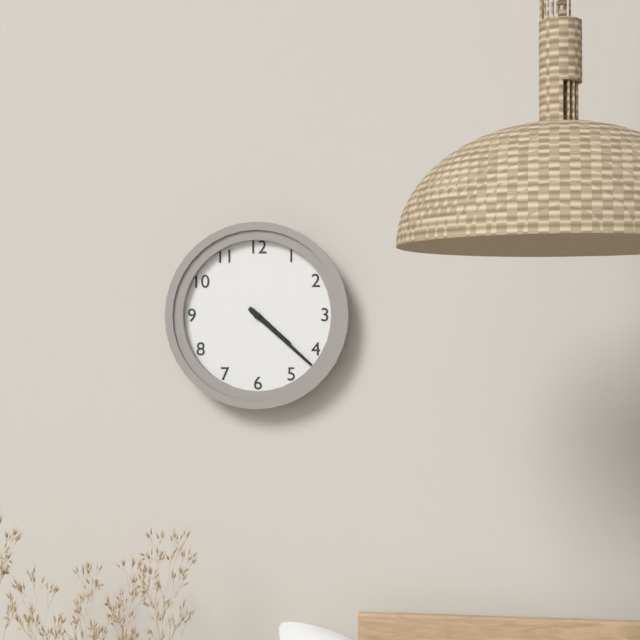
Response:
h=4 m=22
